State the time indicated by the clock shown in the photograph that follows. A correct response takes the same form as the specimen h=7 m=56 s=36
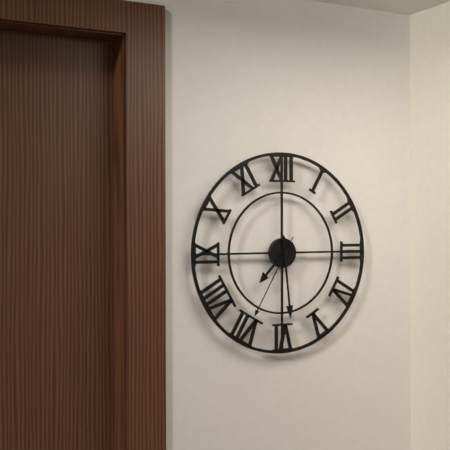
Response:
h=7 m=29 s=35
